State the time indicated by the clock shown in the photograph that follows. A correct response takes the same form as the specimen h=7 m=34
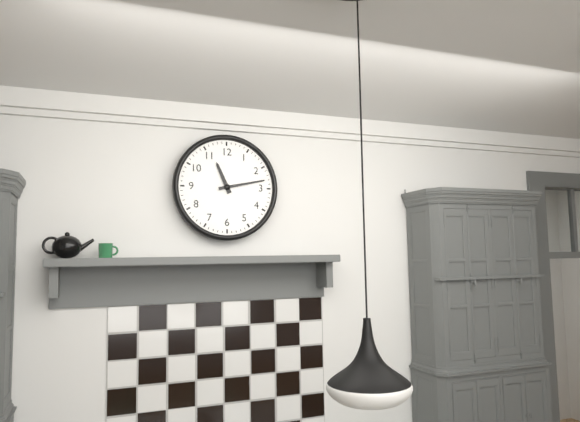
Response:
h=11 m=13
